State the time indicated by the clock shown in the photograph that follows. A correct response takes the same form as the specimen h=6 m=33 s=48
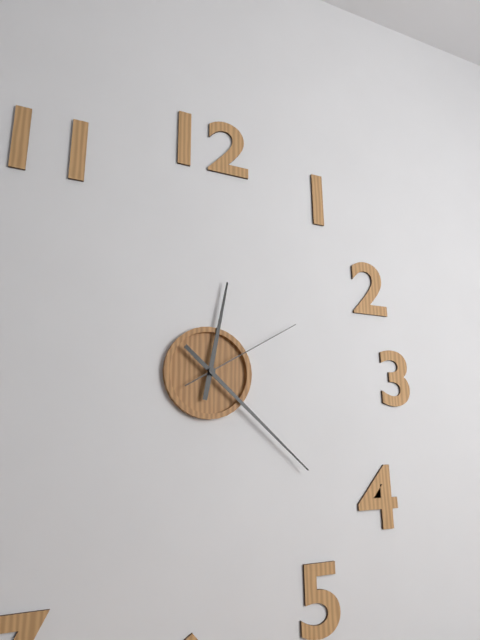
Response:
h=12 m=22 s=10
